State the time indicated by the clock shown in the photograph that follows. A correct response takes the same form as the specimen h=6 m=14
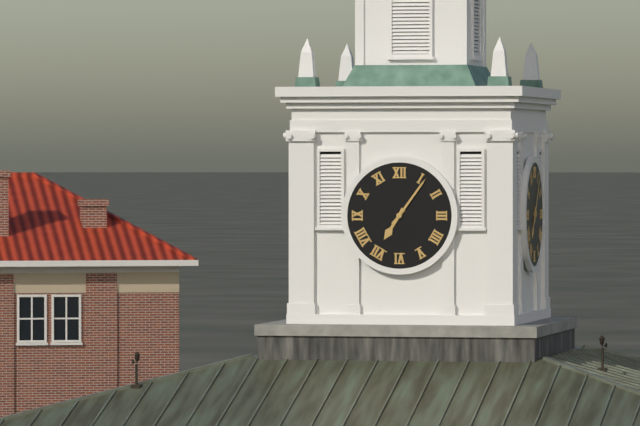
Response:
h=7 m=6
